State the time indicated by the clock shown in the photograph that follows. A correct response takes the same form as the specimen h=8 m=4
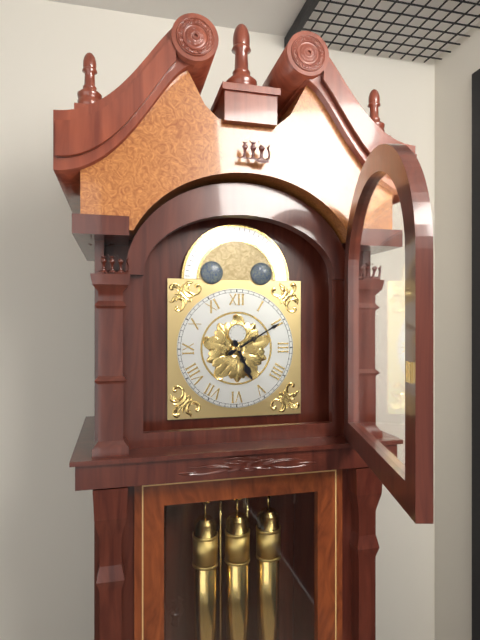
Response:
h=5 m=10
